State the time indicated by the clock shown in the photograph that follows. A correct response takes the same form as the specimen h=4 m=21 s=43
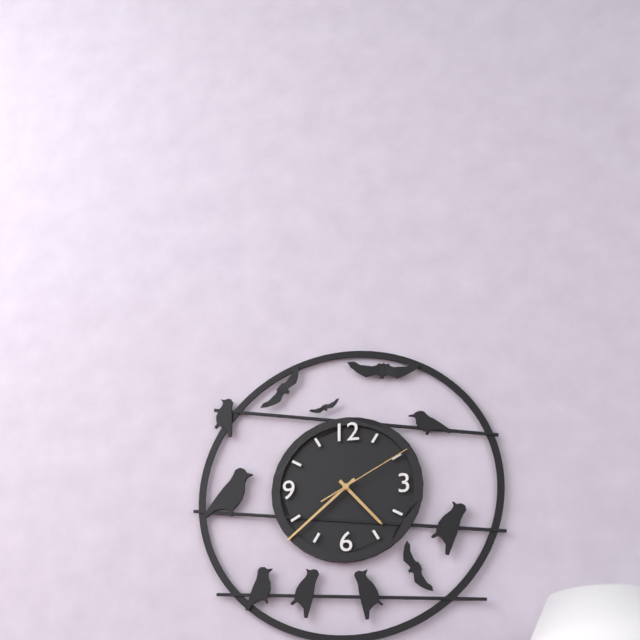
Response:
h=4 m=38 s=10
